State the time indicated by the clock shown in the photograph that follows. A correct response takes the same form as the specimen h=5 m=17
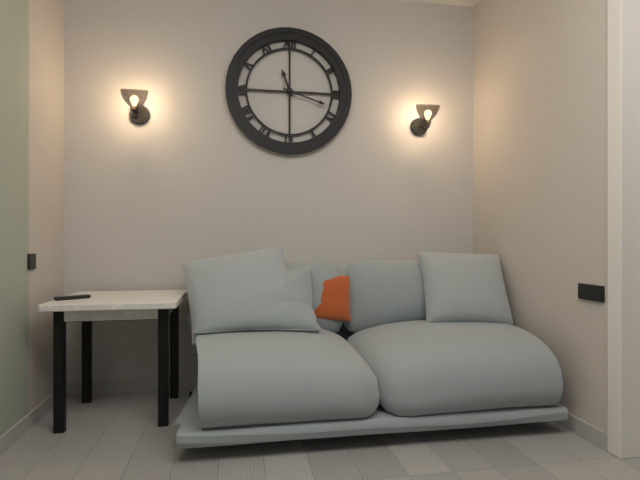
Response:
h=11 m=18
